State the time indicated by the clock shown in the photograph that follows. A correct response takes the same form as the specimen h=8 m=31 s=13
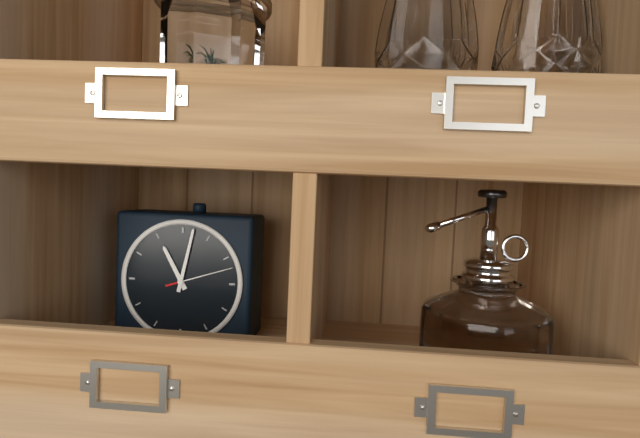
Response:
h=11 m=2 s=12
